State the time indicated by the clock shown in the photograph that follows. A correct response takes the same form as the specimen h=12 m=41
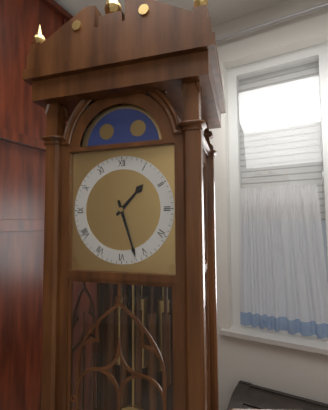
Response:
h=1 m=27
